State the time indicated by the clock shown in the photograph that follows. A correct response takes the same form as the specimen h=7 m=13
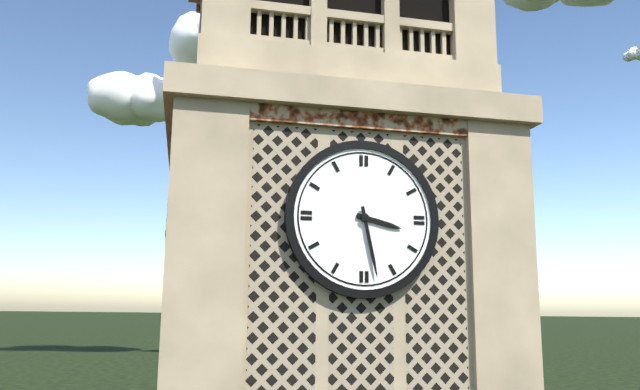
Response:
h=3 m=28
